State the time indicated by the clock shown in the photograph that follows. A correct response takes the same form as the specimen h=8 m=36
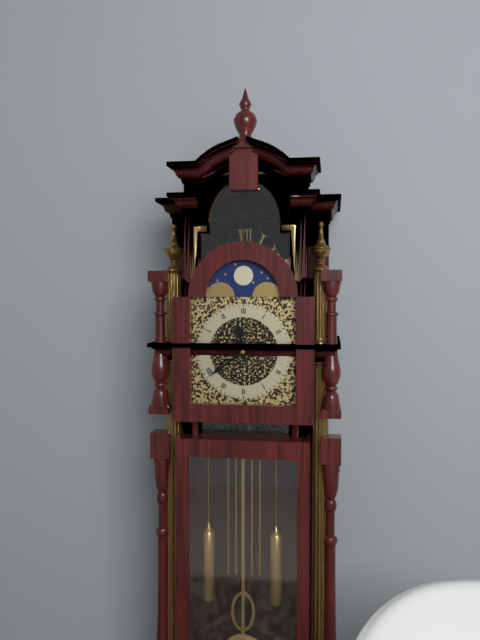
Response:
h=11 m=39
